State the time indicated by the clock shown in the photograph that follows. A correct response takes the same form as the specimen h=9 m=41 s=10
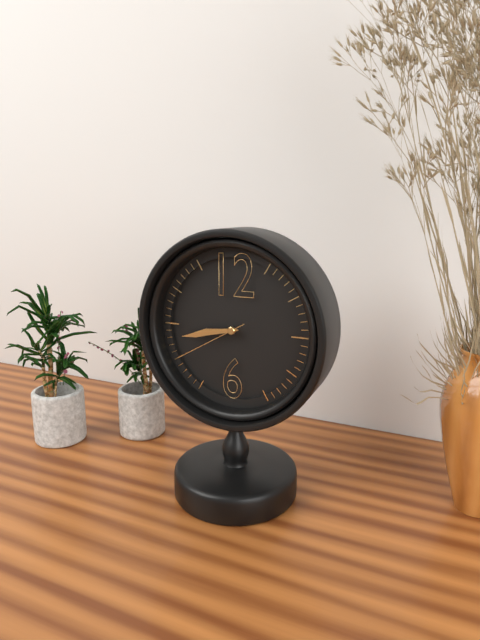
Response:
h=8 m=43 s=40
